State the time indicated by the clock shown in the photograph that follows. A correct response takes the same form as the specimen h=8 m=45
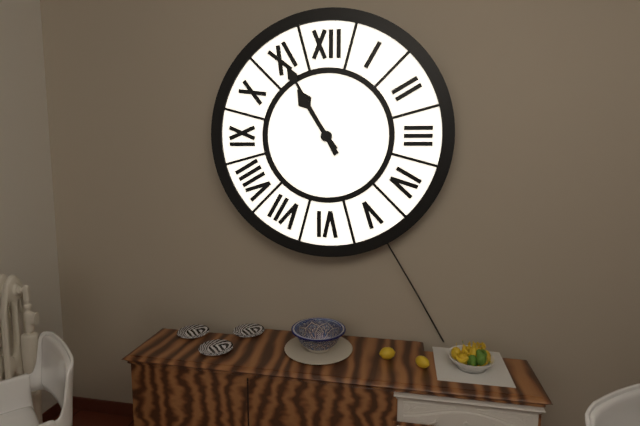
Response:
h=10 m=55
